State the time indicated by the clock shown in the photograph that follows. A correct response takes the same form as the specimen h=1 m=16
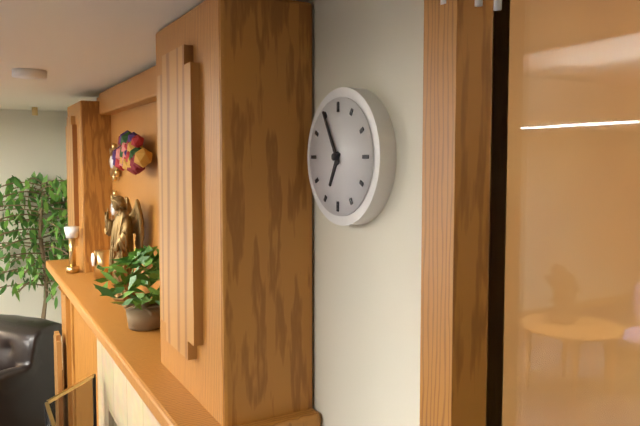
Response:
h=6 m=55
